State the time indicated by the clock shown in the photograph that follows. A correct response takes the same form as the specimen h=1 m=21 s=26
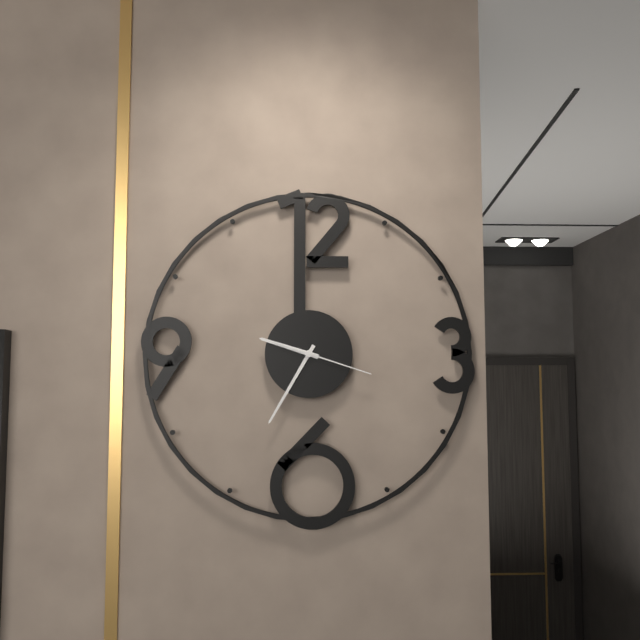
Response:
h=9 m=35 s=18
